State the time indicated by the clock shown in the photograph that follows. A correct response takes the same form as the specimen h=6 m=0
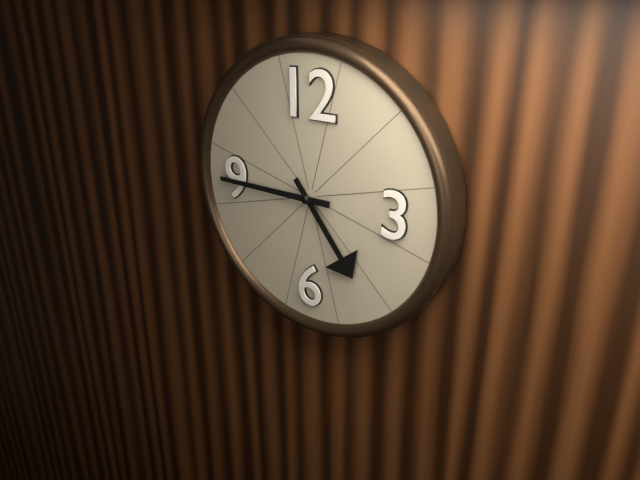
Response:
h=4 m=45
